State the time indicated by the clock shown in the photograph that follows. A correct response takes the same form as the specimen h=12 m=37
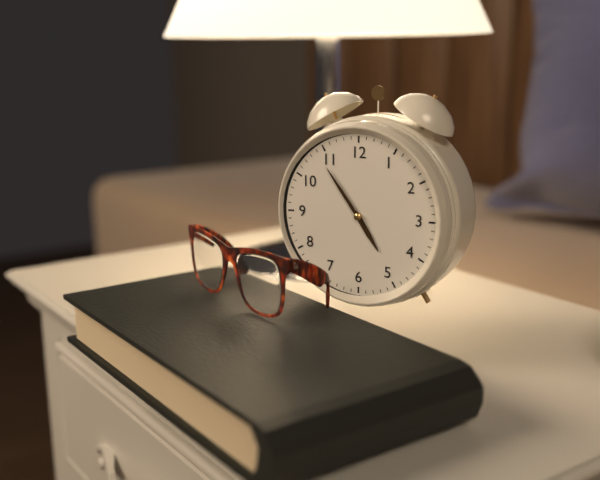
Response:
h=4 m=54
